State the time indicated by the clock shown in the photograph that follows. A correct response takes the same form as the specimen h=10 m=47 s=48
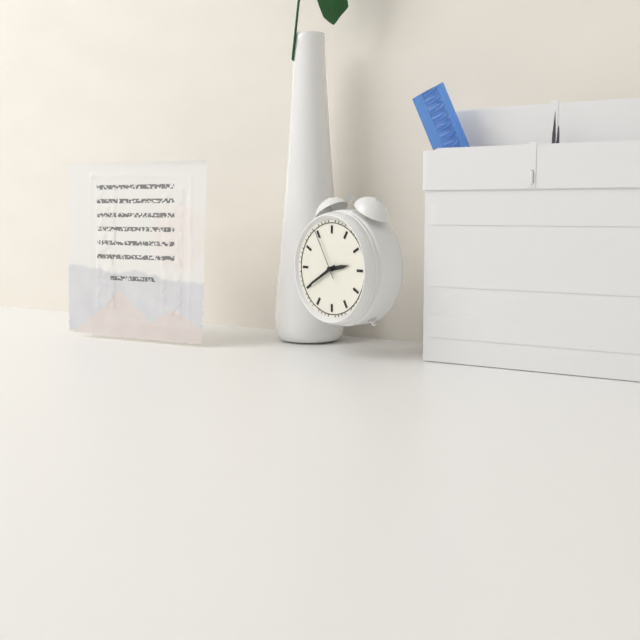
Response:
h=2 m=40 s=55
